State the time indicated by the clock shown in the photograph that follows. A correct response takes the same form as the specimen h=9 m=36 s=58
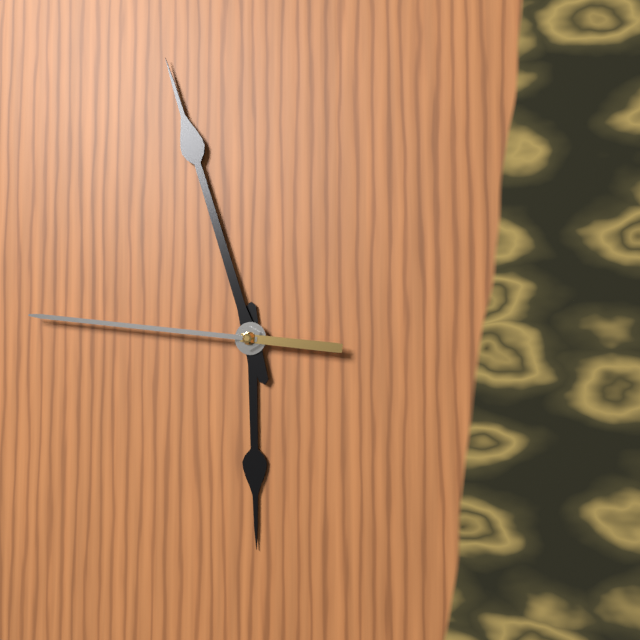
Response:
h=5 m=57 s=46
